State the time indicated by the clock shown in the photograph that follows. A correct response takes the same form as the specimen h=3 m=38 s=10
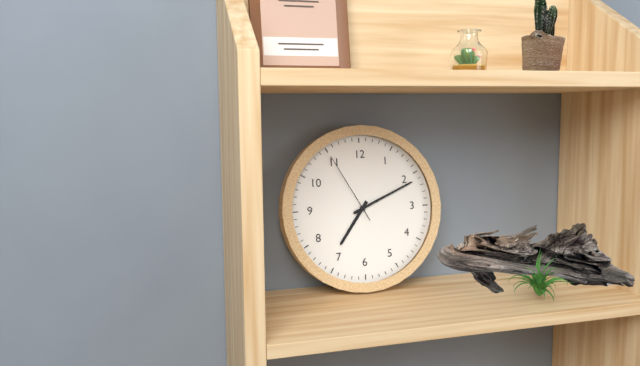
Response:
h=7 m=11 s=55
